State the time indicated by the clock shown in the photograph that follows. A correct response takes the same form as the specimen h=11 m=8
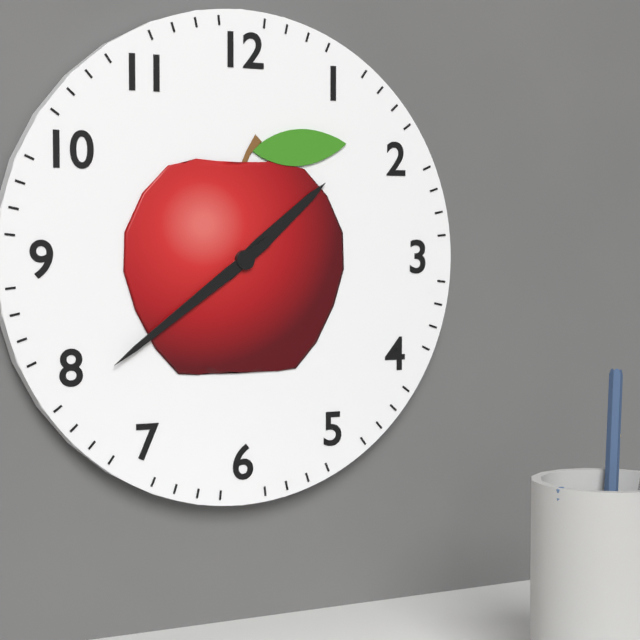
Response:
h=1 m=39
